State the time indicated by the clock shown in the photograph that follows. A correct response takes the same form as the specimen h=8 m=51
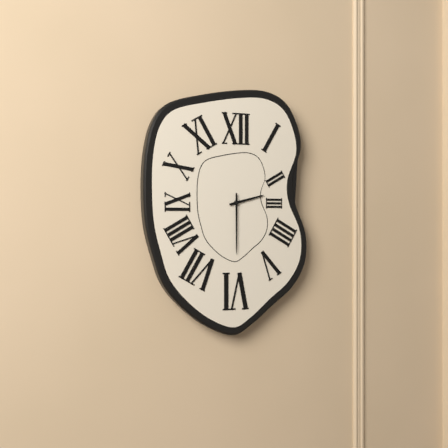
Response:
h=2 m=30
